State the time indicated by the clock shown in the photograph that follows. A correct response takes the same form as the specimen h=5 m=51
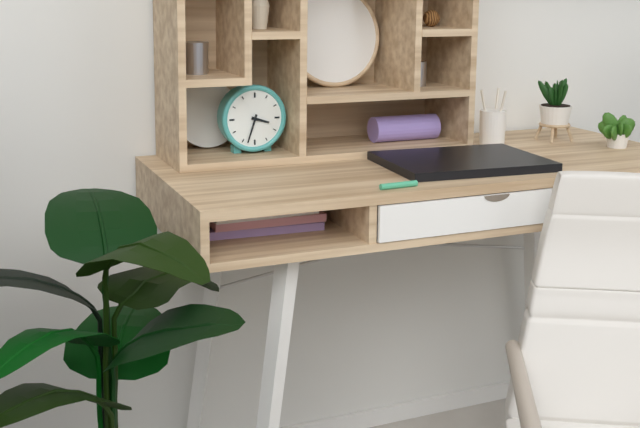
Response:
h=3 m=33
